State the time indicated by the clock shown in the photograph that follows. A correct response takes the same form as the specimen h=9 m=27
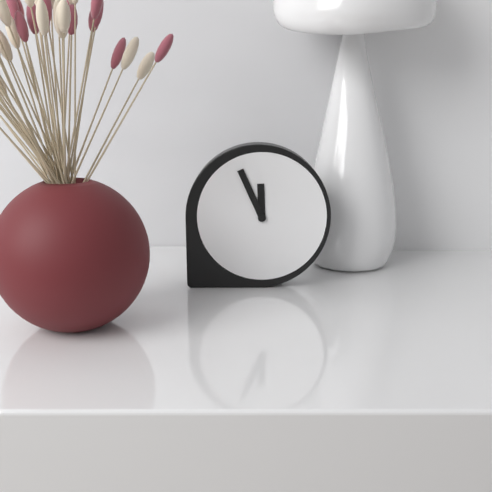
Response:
h=11 m=56
